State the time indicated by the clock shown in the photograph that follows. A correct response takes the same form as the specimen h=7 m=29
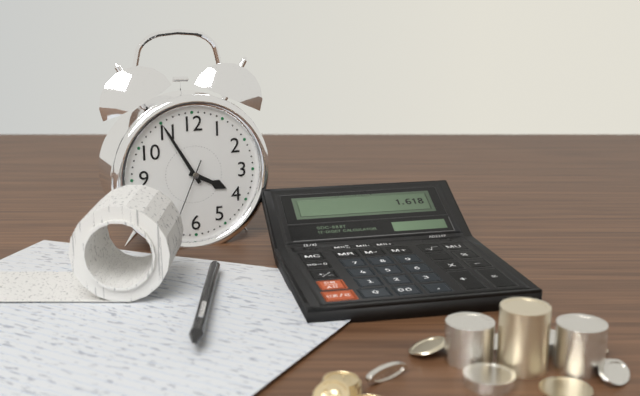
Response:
h=3 m=55
